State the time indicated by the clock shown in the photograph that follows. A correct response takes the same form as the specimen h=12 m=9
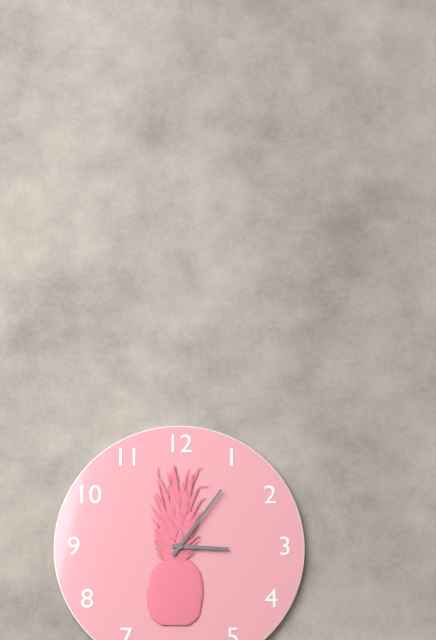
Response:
h=3 m=6
